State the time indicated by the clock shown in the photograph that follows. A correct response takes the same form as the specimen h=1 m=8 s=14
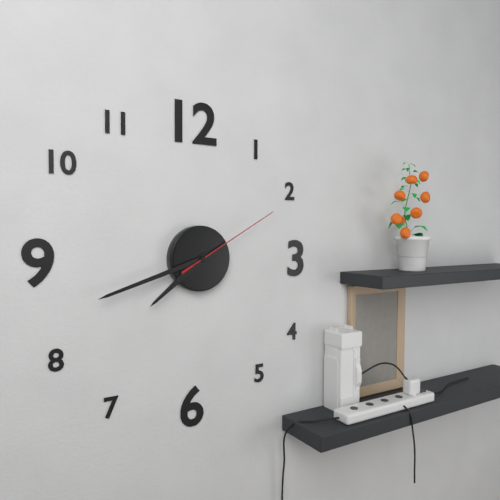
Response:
h=7 m=42 s=10
